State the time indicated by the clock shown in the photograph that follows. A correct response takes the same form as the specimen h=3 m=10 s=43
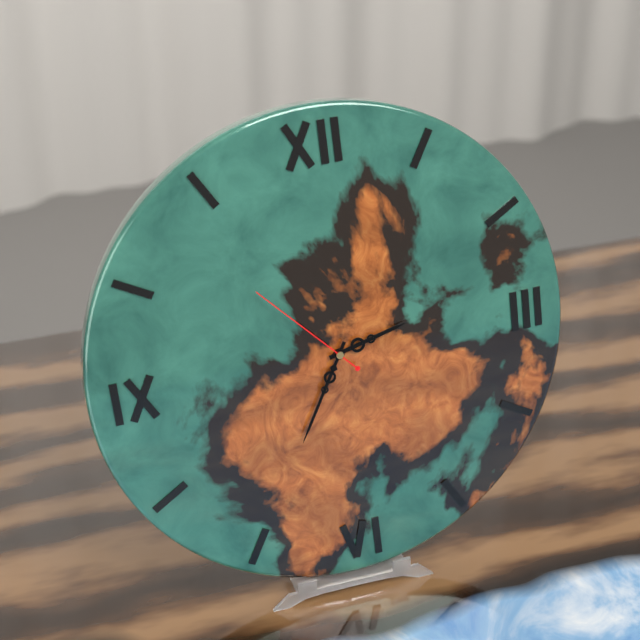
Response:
h=2 m=35 s=53
